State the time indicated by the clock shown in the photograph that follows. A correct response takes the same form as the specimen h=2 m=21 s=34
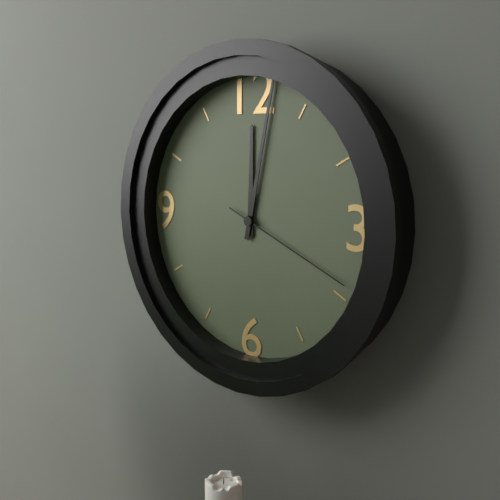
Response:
h=12 m=2 s=19
